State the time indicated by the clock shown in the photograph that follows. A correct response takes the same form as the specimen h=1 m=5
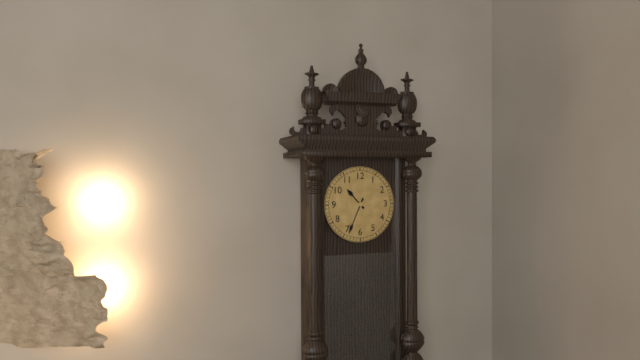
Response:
h=10 m=34
